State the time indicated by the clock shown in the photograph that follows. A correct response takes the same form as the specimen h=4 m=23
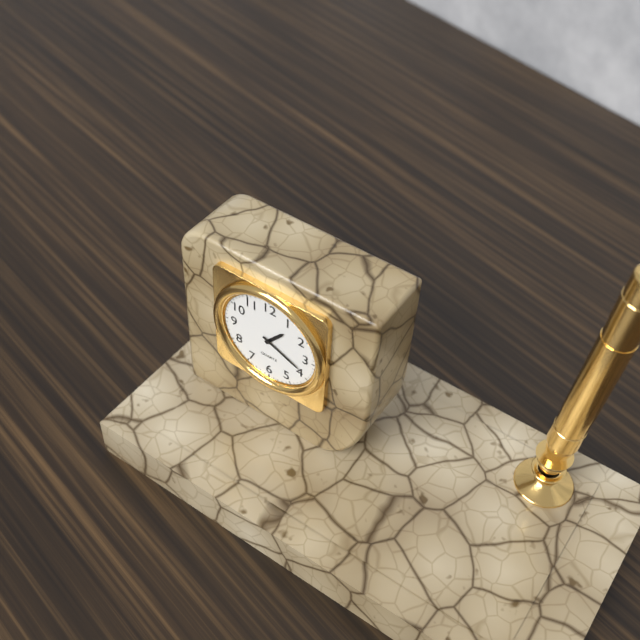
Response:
h=1 m=19
